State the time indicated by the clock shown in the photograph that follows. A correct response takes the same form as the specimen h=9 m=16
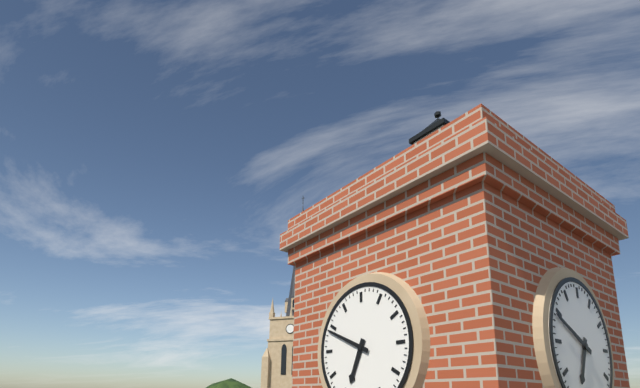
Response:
h=6 m=49
